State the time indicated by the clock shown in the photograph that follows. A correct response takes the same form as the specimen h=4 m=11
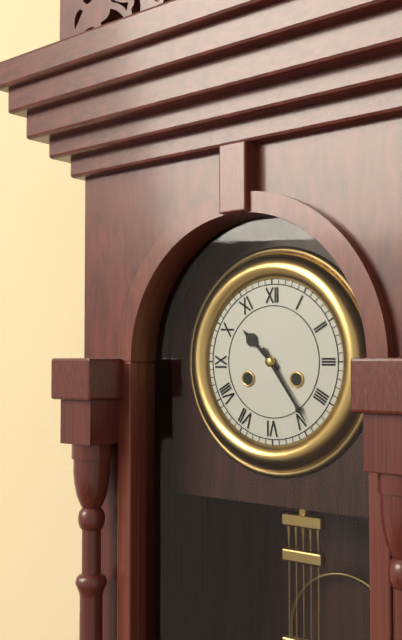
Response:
h=10 m=24
